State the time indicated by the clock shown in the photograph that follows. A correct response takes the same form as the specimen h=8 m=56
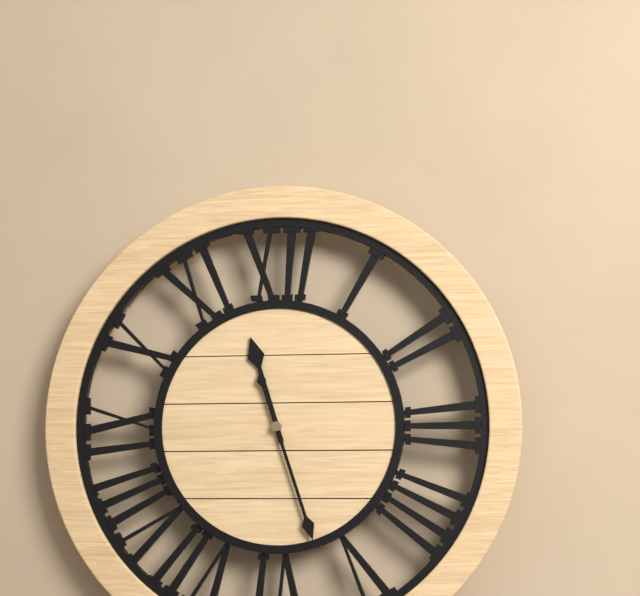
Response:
h=11 m=27
